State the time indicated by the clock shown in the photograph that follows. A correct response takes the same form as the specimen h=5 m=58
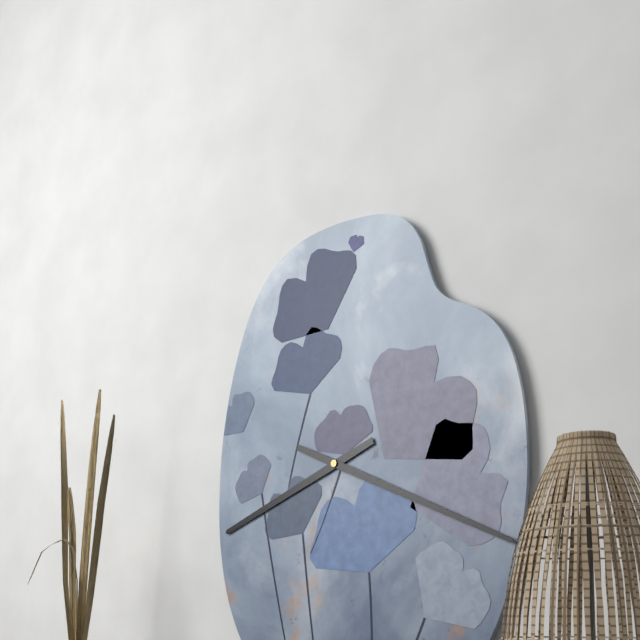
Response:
h=8 m=19
